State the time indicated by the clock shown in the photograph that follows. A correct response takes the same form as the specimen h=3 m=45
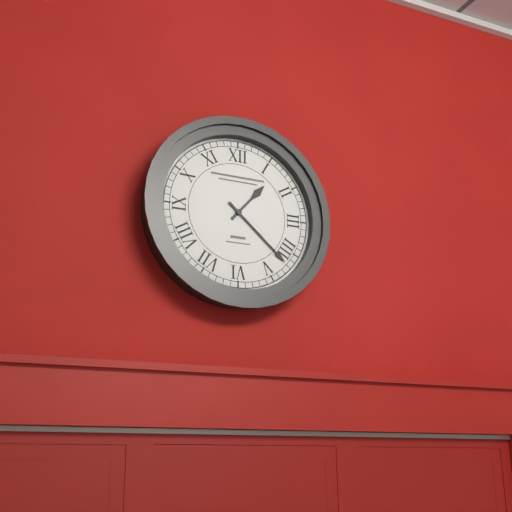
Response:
h=1 m=22
